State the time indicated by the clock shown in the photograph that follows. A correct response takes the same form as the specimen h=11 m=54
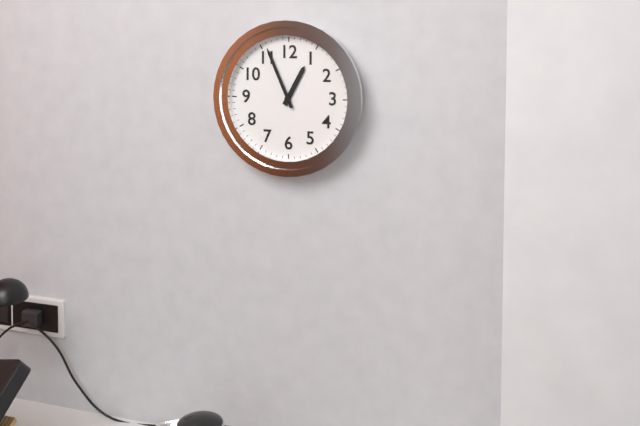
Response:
h=12 m=56
